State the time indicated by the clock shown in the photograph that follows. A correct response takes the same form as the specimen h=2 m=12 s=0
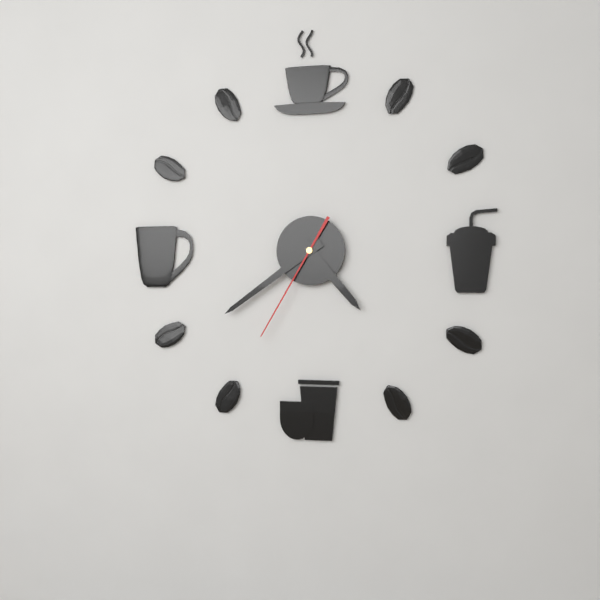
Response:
h=4 m=39 s=35
